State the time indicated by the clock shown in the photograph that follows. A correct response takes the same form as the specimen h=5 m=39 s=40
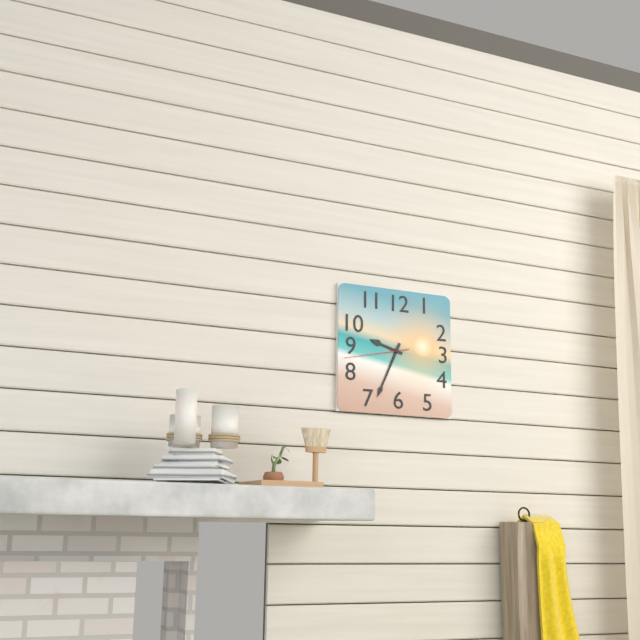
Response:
h=9 m=34 s=43
